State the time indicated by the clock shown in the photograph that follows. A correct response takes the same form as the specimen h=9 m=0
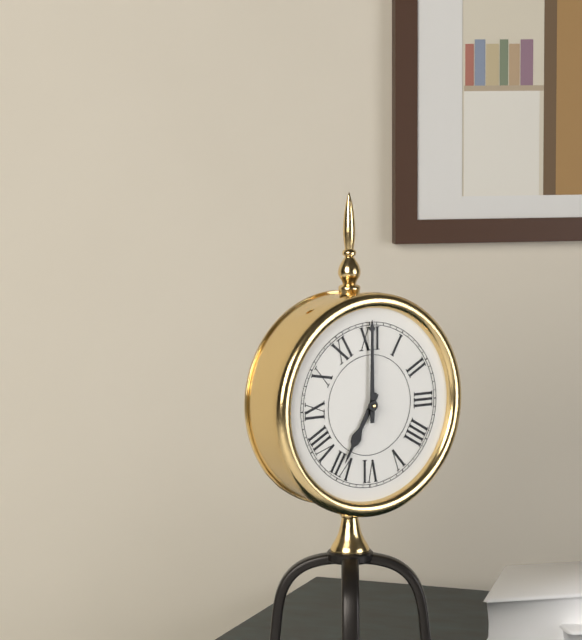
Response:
h=7 m=0
